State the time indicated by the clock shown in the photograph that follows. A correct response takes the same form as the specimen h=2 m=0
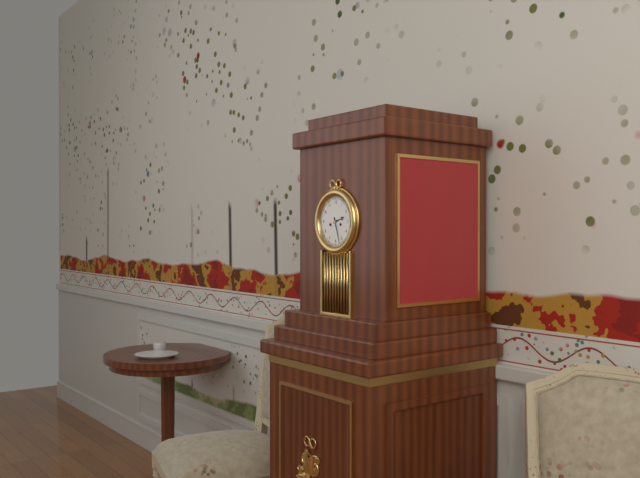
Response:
h=2 m=27
